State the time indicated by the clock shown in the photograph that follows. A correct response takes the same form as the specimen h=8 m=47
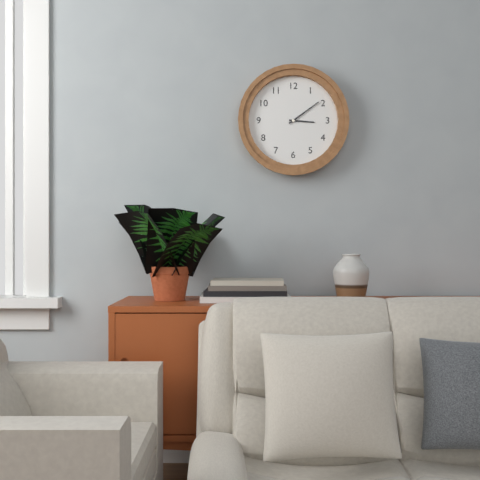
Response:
h=3 m=9
